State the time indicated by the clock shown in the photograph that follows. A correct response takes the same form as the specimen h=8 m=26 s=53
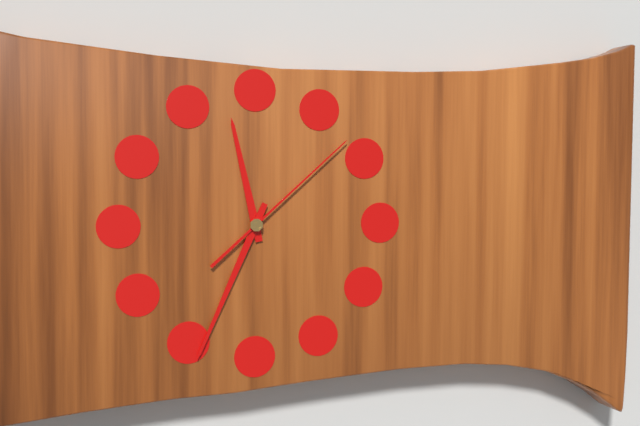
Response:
h=11 m=34 s=8
